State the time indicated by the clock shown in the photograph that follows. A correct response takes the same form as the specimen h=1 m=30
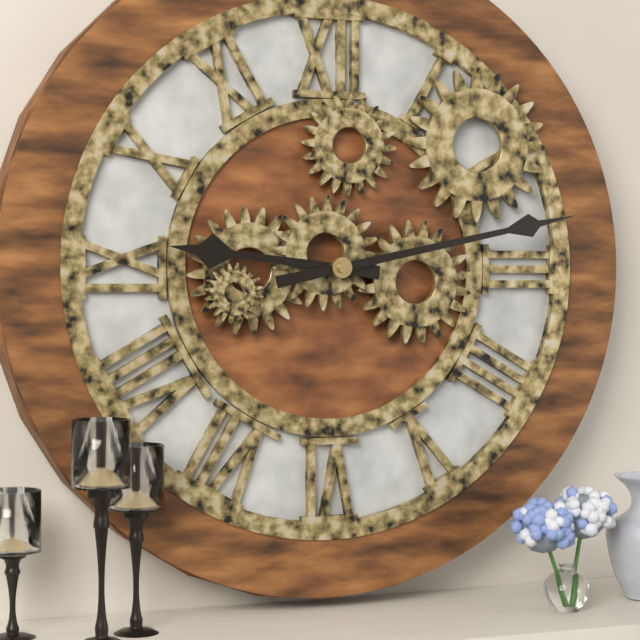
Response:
h=9 m=13
